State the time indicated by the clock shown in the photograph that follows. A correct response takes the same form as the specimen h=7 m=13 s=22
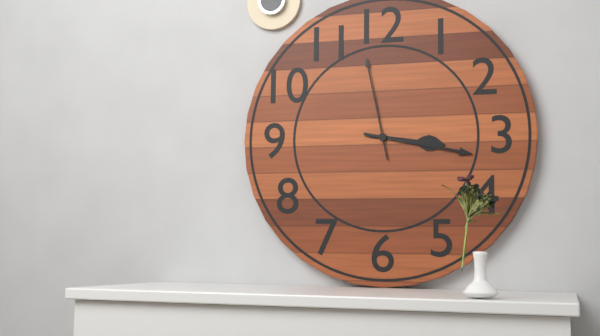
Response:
h=3 m=17 s=58
